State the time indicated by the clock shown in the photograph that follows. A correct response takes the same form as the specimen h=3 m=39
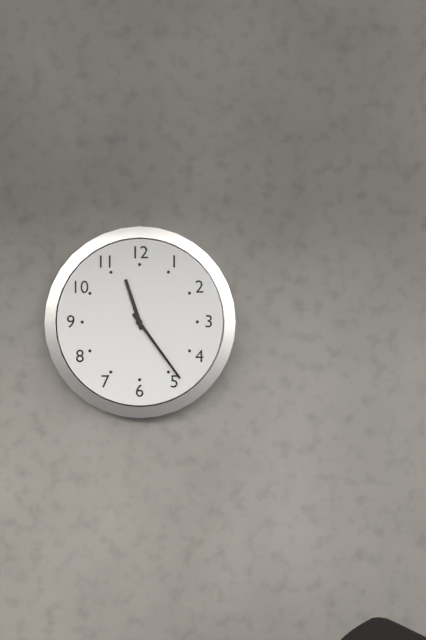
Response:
h=11 m=24
